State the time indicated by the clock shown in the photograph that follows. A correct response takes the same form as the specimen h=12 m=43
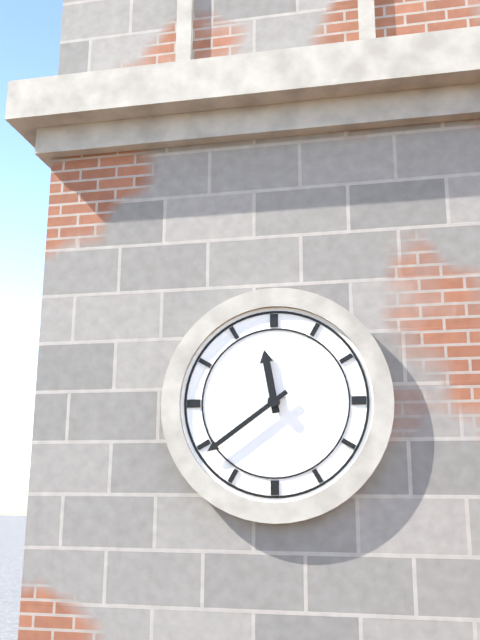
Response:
h=11 m=39
